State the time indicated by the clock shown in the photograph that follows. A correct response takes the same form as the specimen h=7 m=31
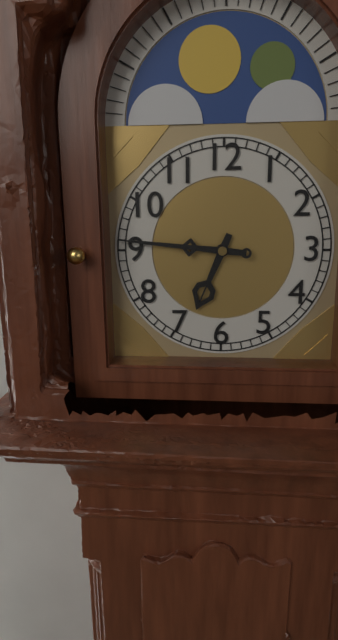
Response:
h=6 m=46
